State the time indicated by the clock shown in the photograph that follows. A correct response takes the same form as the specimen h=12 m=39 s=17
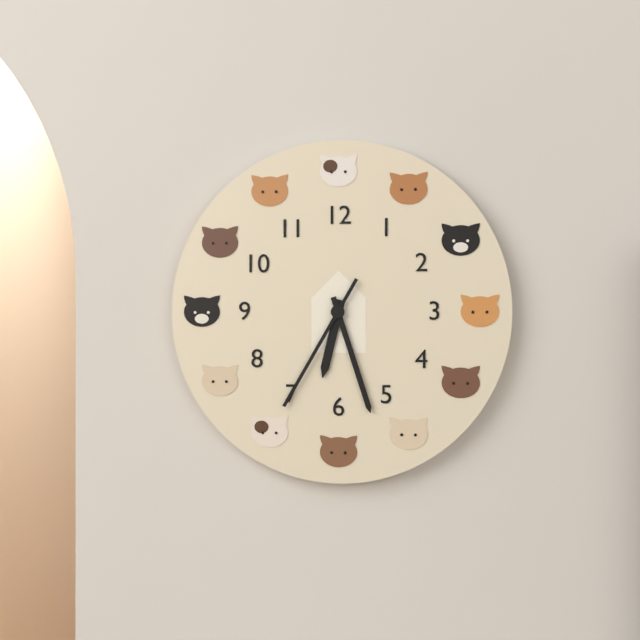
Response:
h=6 m=27 s=35
